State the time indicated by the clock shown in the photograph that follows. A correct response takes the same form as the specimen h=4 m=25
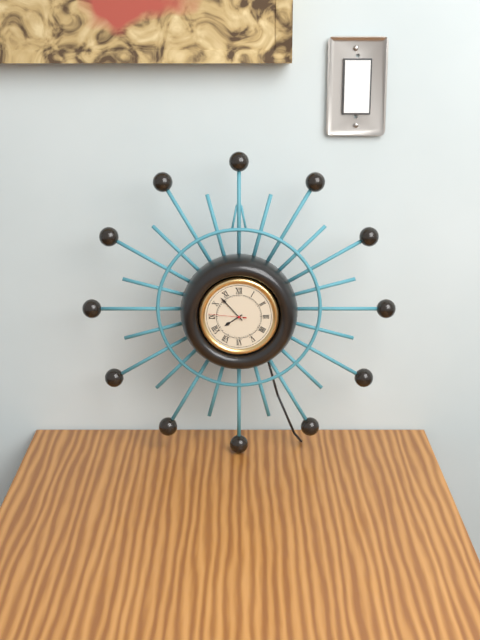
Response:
h=7 m=53
